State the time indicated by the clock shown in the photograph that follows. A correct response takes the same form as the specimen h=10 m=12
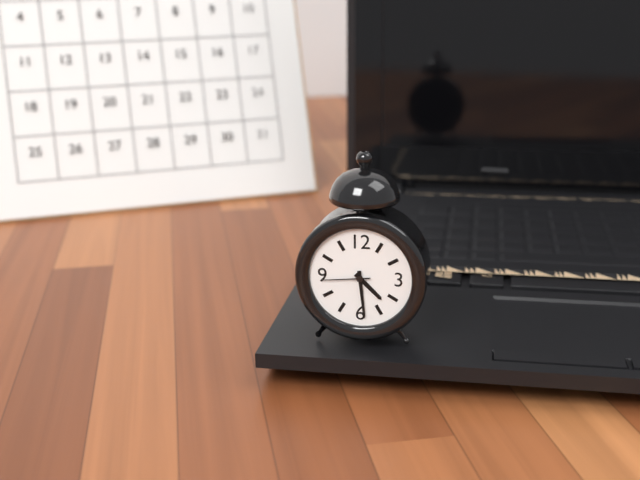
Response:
h=4 m=29
